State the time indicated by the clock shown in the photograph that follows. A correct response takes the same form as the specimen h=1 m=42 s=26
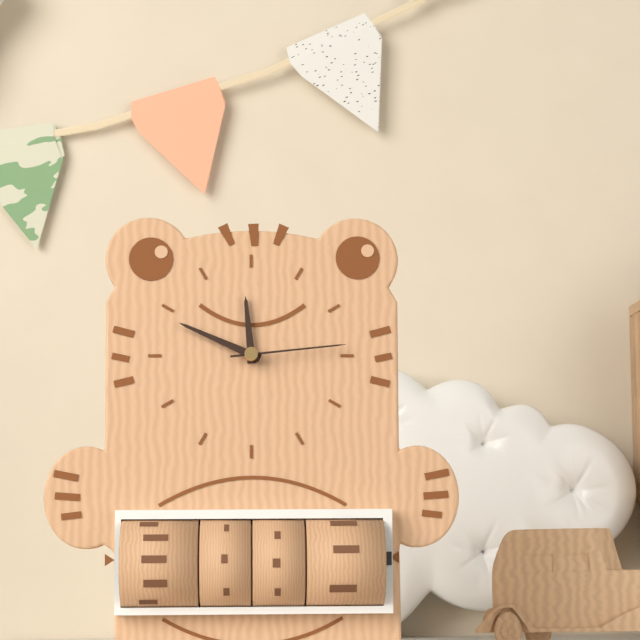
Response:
h=11 m=49 s=14
